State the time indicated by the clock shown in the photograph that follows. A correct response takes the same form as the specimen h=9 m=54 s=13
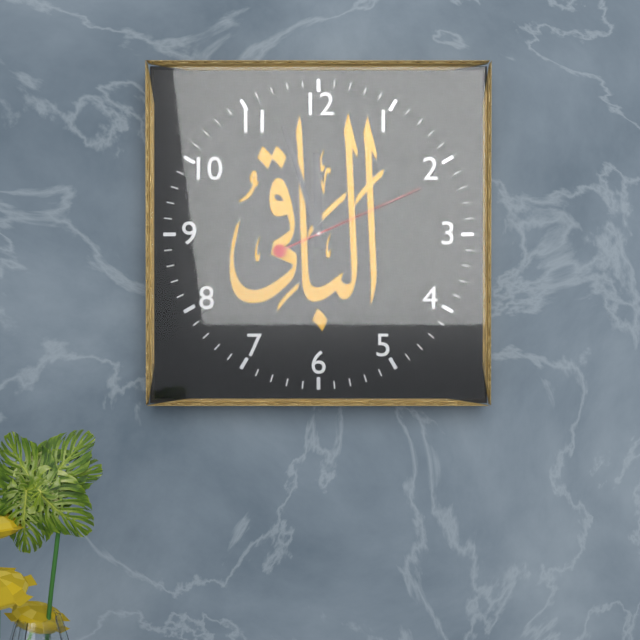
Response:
h=11 m=57 s=11
